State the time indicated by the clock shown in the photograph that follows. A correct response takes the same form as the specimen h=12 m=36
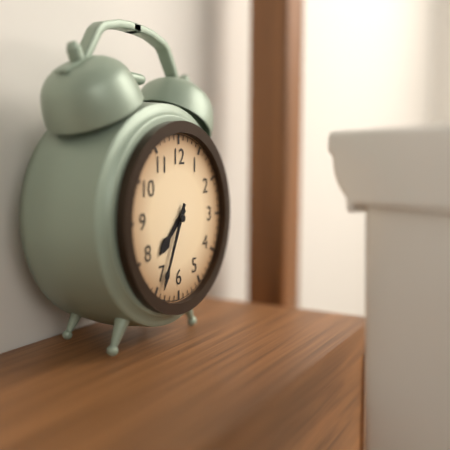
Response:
h=7 m=34
